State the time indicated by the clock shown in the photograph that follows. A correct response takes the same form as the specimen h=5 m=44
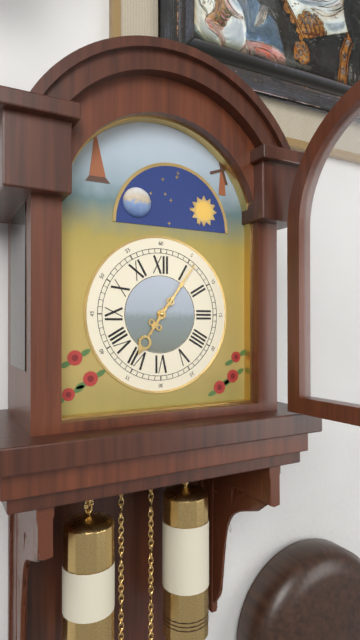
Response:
h=7 m=6
